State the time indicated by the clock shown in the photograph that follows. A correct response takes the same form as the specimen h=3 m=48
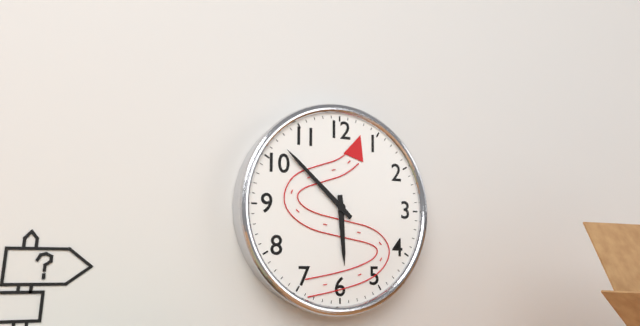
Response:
h=5 m=52
